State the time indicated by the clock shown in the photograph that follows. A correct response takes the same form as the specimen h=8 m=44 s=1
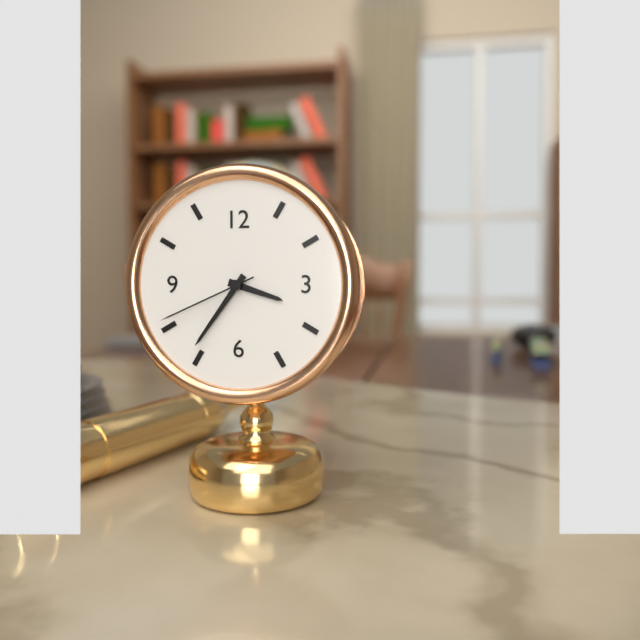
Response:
h=3 m=36 s=41
